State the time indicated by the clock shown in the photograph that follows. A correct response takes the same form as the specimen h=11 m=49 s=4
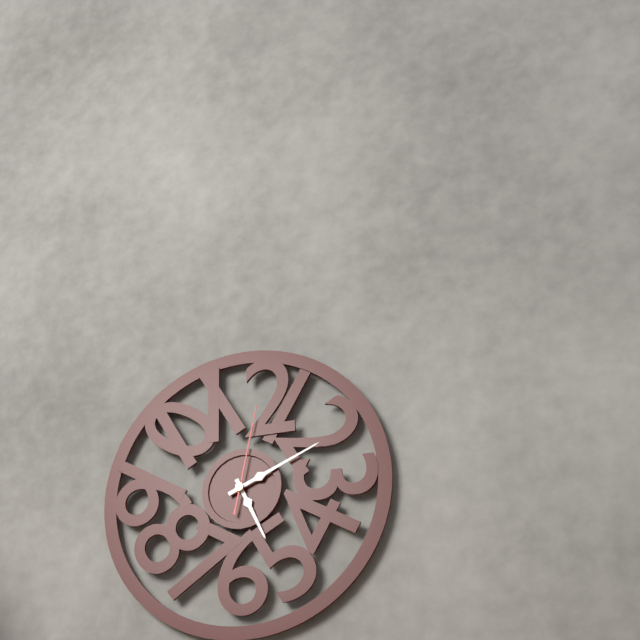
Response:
h=5 m=11 s=2
